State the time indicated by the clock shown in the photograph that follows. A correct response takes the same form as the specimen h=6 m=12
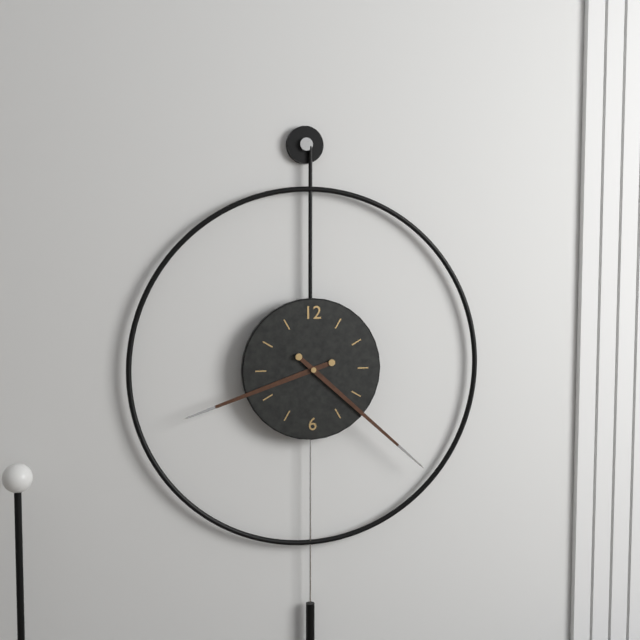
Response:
h=8 m=22
